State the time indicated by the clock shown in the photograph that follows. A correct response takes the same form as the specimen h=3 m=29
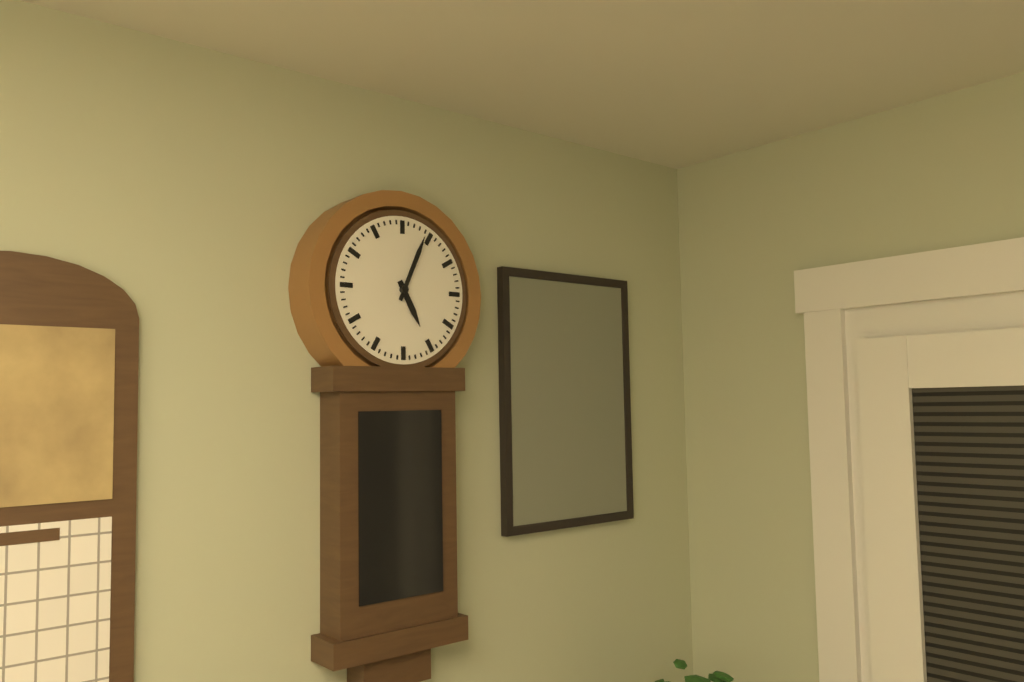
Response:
h=5 m=4
